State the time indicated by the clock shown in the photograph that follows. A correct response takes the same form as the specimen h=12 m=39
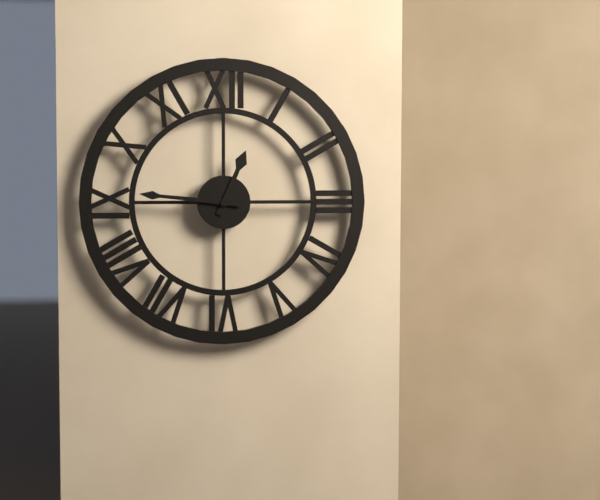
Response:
h=12 m=46
